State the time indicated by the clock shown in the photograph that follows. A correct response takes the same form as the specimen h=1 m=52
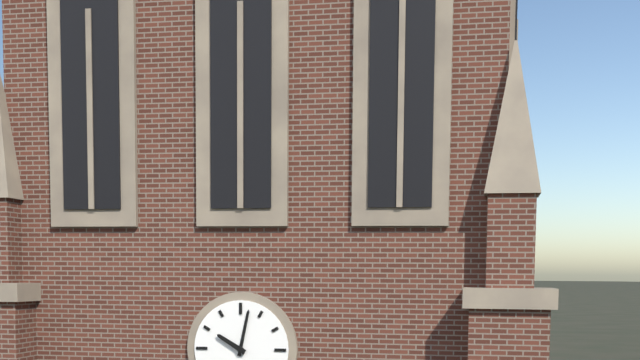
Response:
h=10 m=2
